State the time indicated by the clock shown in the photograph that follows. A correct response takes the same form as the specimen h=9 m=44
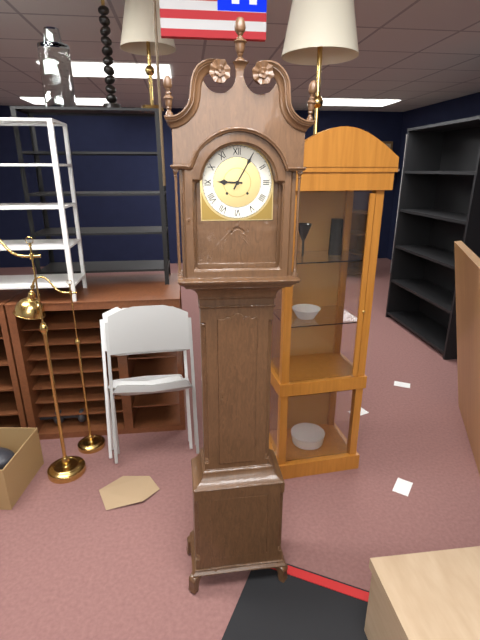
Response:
h=9 m=5
